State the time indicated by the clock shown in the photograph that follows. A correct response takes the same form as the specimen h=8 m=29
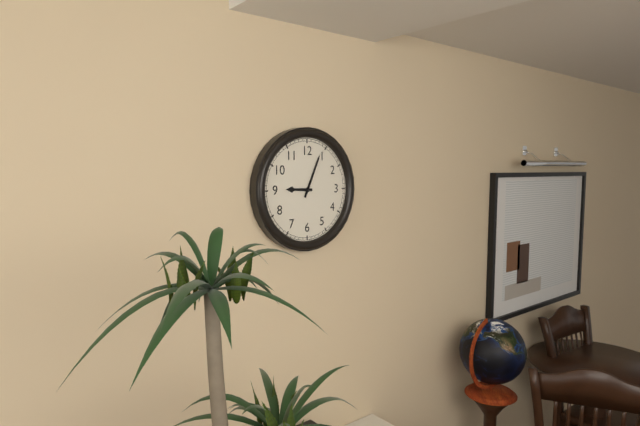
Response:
h=9 m=4
